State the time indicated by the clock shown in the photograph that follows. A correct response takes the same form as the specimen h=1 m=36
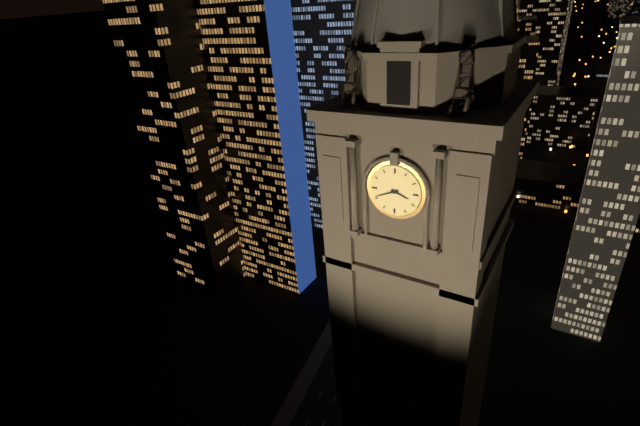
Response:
h=3 m=41
